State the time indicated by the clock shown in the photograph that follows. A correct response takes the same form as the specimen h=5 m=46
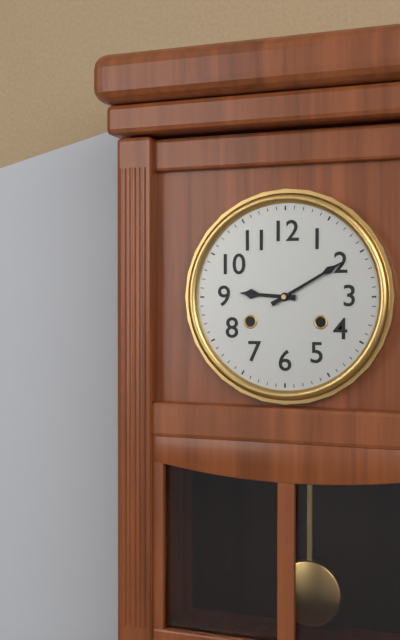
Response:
h=9 m=10
